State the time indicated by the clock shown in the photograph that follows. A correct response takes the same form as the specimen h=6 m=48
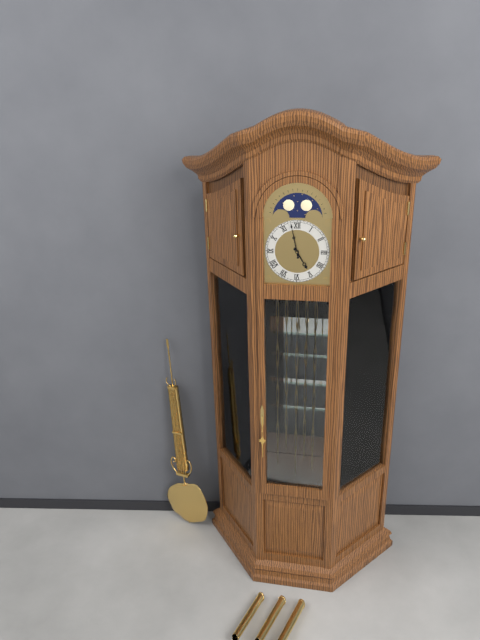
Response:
h=4 m=58
